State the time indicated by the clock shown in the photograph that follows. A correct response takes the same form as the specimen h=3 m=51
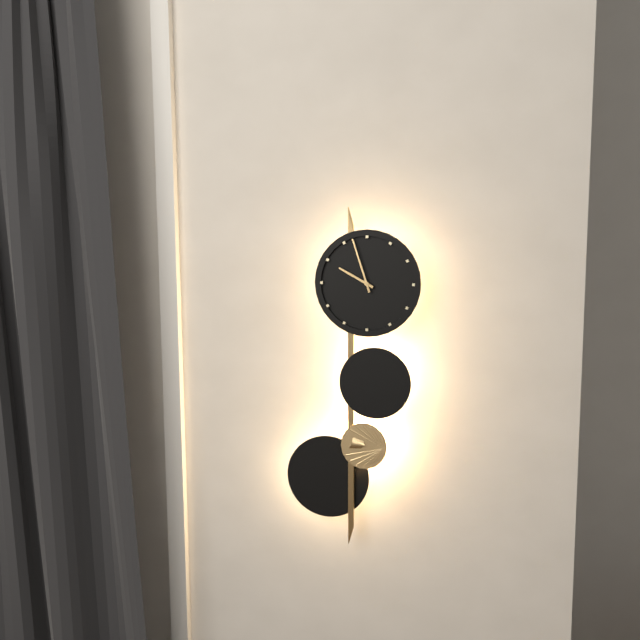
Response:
h=9 m=57
